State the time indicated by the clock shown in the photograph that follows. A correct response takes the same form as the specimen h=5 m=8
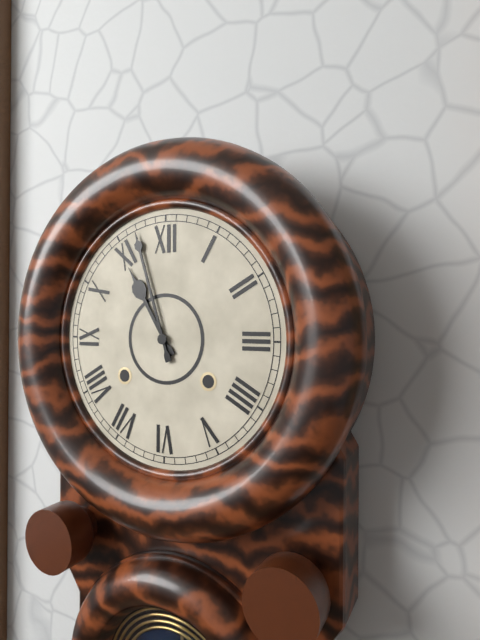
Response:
h=10 m=57
